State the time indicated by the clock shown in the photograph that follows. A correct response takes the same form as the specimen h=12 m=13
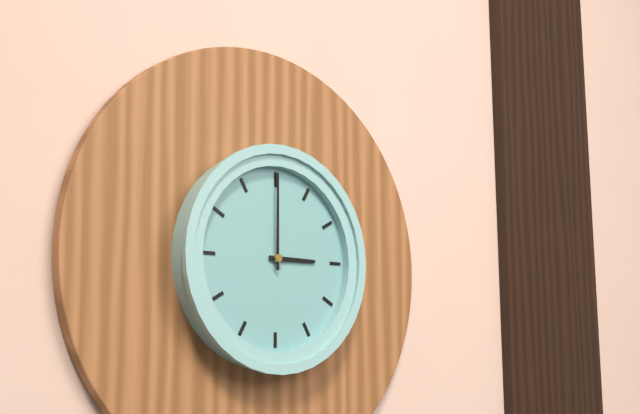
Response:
h=3 m=0
